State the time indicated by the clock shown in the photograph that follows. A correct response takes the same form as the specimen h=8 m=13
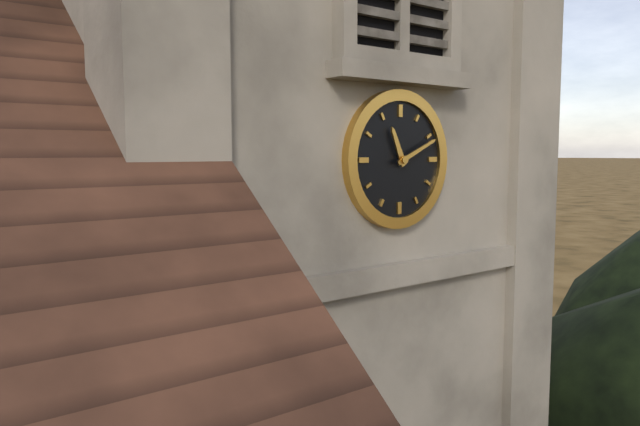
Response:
h=11 m=11
